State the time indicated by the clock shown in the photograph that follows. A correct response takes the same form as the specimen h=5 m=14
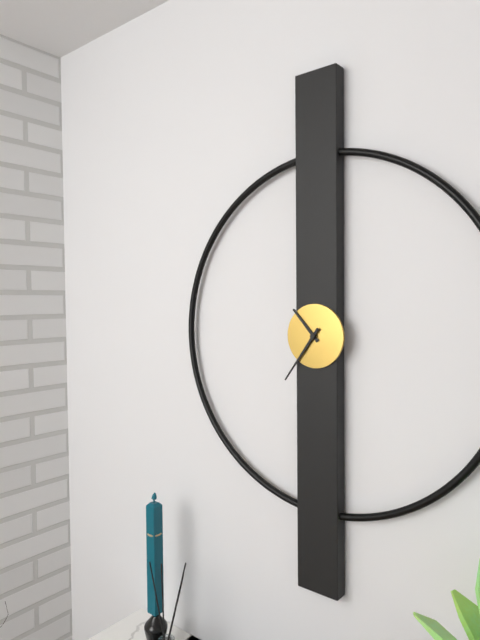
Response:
h=10 m=36
